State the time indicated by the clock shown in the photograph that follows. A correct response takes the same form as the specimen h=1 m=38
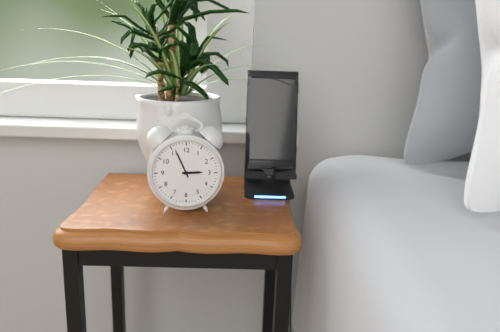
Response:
h=2 m=56
